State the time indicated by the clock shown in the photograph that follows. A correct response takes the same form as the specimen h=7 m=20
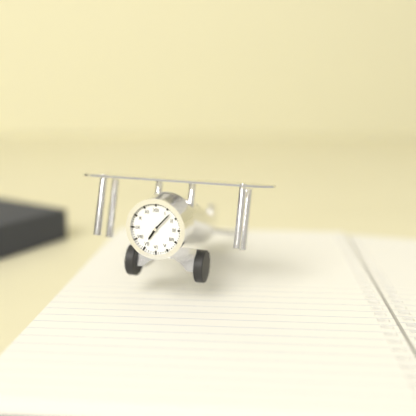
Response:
h=7 m=7
